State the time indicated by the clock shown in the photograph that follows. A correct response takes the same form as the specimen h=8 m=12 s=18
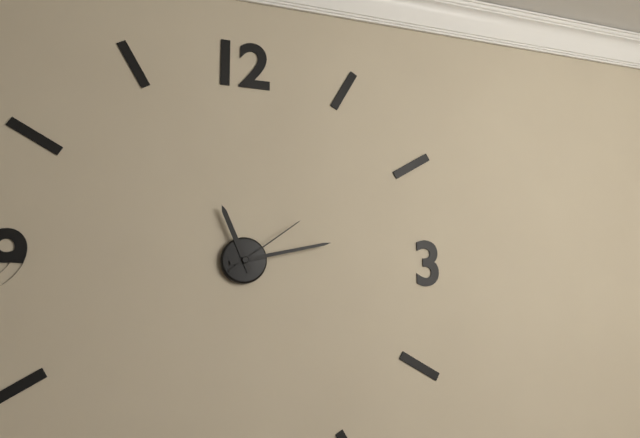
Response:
h=11 m=13 s=9
